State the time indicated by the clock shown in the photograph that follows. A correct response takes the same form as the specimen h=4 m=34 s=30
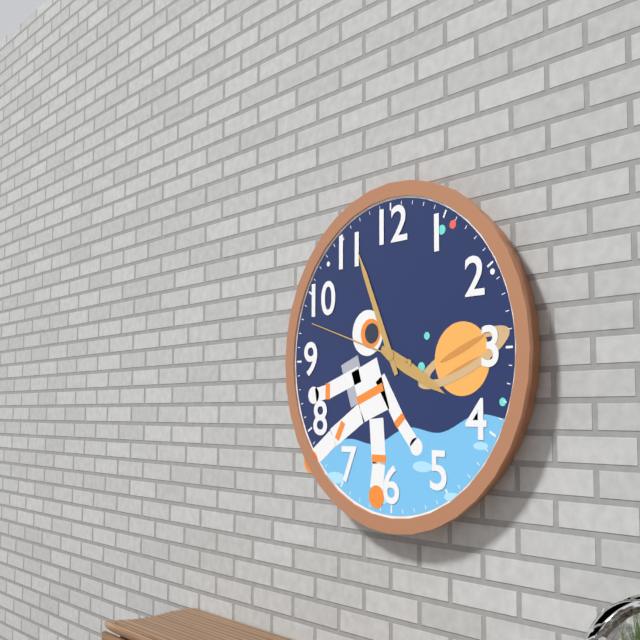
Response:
h=3 m=56 s=48
